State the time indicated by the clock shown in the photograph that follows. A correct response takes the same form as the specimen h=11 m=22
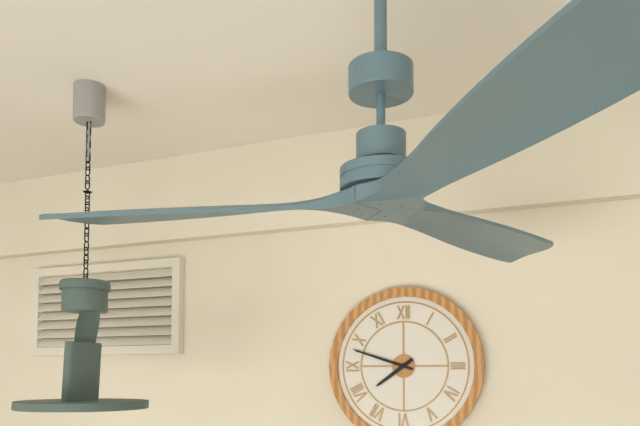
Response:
h=7 m=48
